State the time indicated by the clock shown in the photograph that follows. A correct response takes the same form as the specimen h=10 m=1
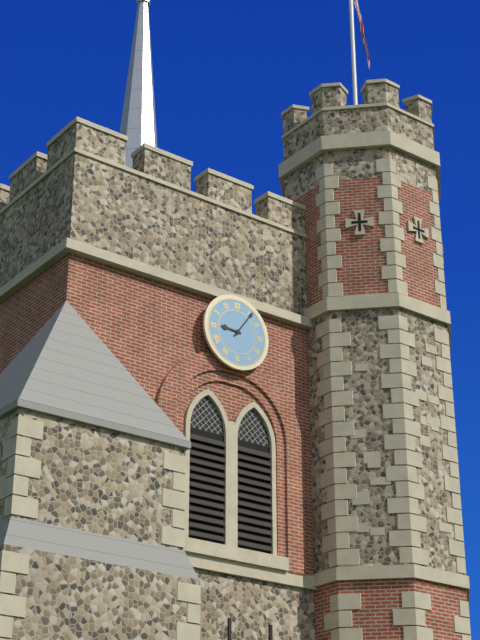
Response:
h=9 m=6
